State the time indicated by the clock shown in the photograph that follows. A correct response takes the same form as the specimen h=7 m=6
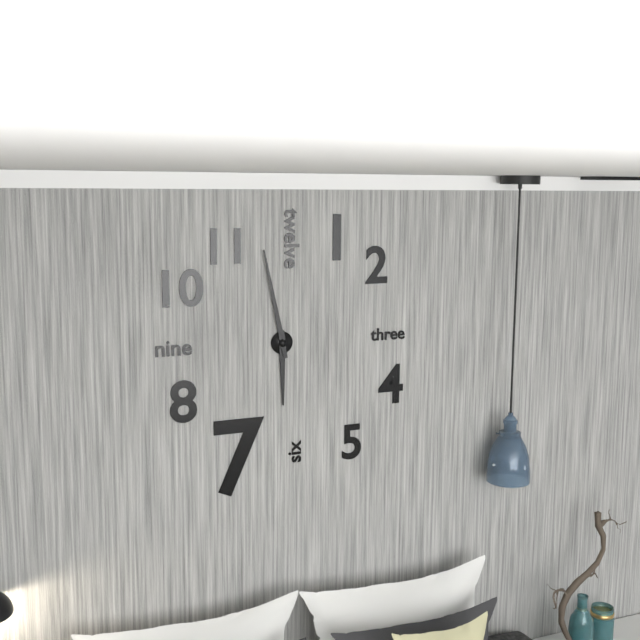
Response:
h=5 m=58
